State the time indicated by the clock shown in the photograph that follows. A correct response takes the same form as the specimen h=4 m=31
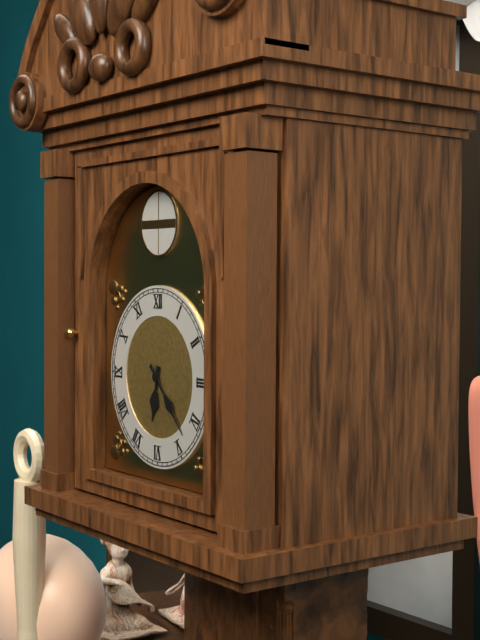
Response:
h=6 m=23
